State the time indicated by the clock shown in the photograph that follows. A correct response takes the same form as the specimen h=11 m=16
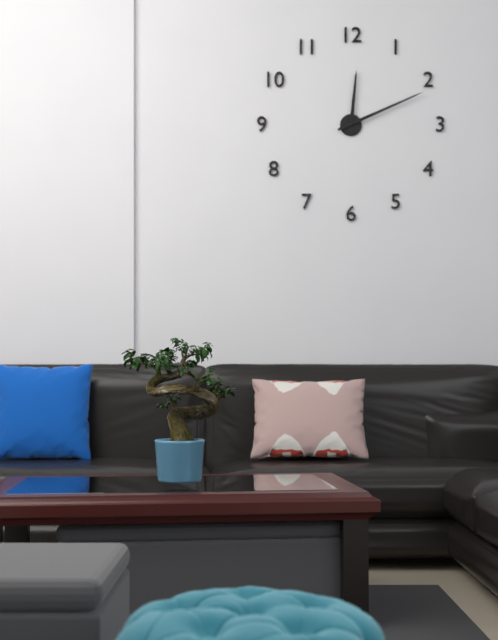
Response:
h=12 m=11
